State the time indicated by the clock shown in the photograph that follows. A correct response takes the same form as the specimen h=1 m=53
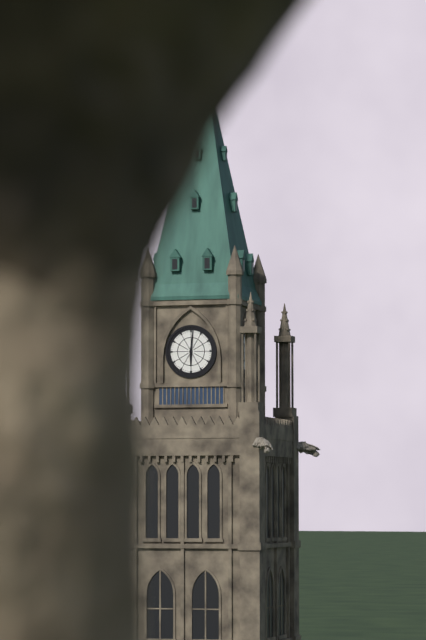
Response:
h=6 m=1
